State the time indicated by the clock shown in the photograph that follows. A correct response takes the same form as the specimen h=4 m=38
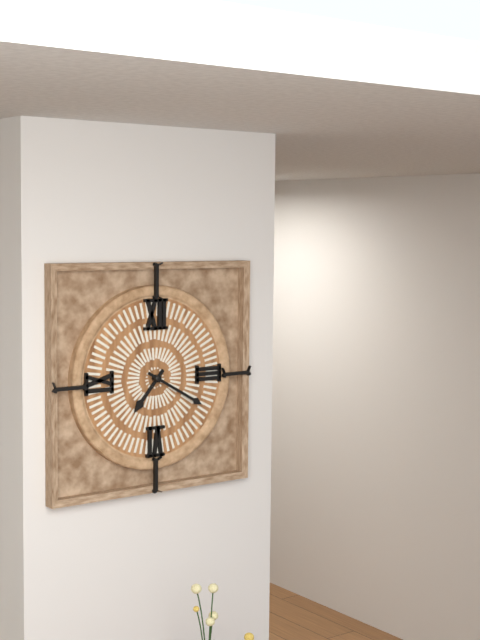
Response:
h=7 m=20
